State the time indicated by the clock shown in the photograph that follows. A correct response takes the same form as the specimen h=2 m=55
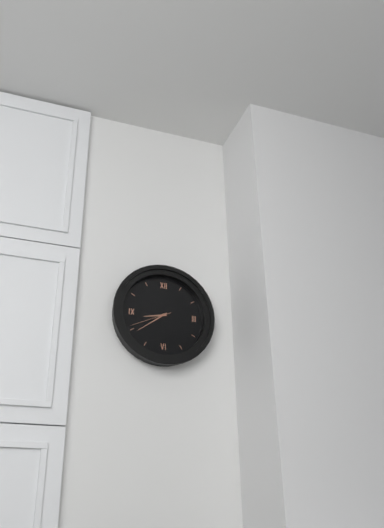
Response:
h=8 m=39
